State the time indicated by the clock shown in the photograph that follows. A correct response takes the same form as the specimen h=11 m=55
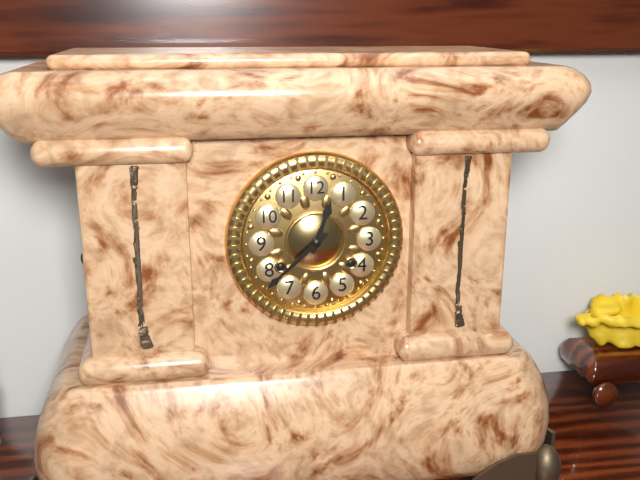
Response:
h=12 m=38
